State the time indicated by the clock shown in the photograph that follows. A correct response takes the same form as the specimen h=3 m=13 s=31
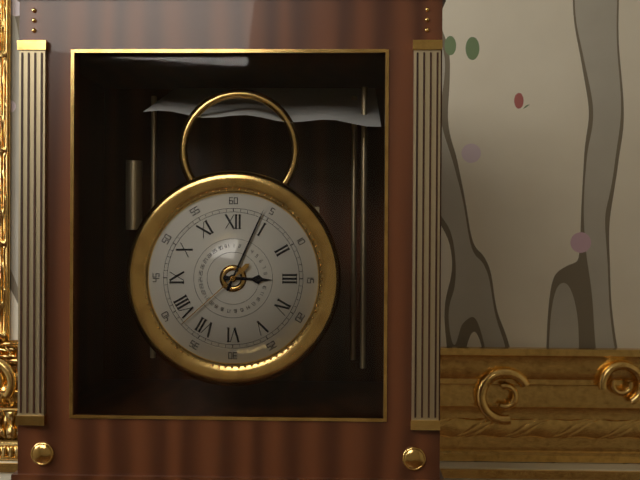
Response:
h=3 m=4 s=38
